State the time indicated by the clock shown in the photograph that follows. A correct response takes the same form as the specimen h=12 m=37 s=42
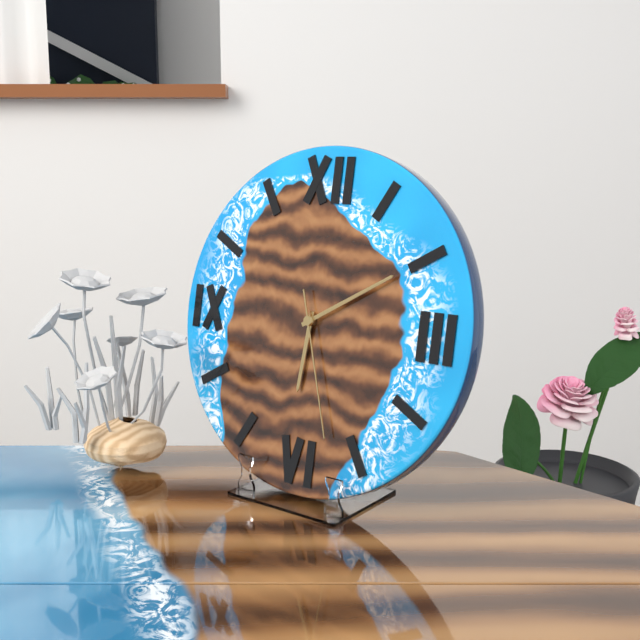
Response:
h=6 m=10 s=27
